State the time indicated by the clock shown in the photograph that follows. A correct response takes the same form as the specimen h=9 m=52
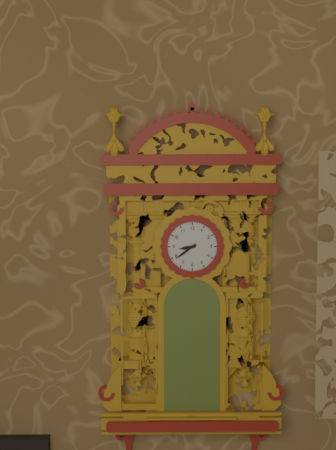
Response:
h=8 m=39
